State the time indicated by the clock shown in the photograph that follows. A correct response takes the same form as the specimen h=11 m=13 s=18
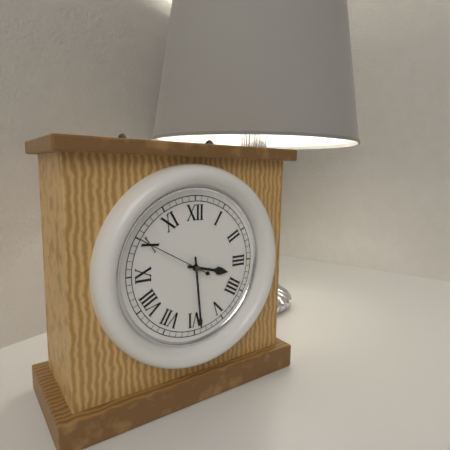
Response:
h=3 m=29 s=50
